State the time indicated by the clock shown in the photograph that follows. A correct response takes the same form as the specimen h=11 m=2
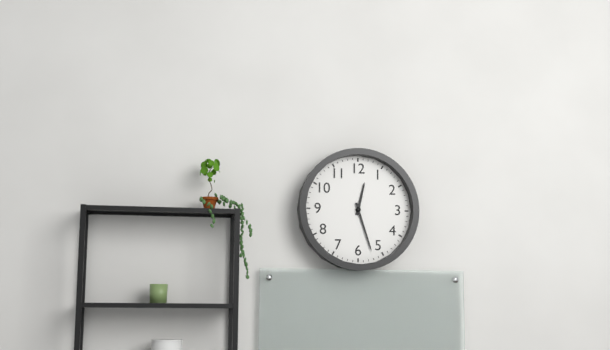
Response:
h=12 m=27
